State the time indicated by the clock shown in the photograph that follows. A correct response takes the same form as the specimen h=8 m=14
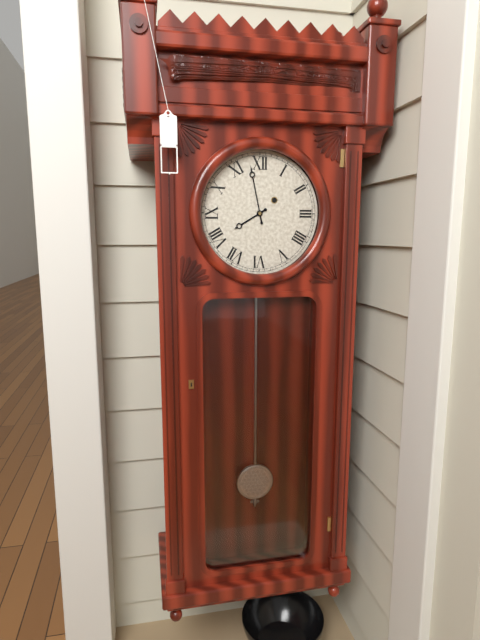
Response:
h=7 m=58
